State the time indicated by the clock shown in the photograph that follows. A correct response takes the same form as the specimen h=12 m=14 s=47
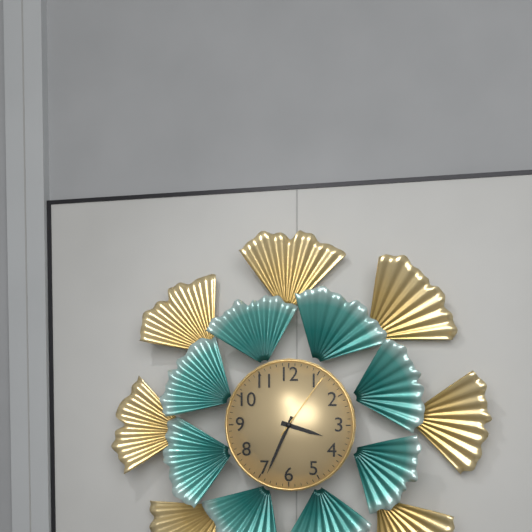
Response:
h=3 m=34 s=6
